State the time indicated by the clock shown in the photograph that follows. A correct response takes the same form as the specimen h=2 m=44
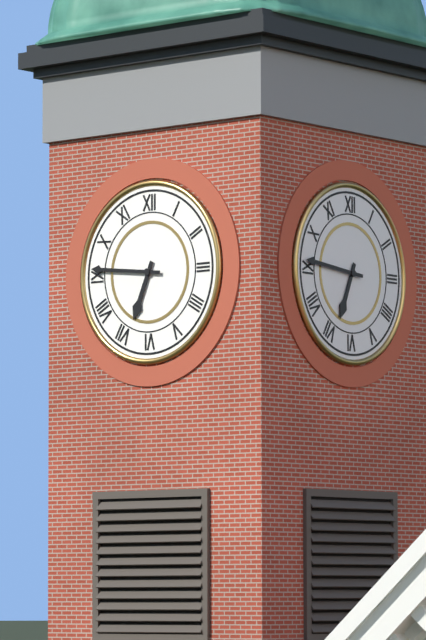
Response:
h=6 m=46
